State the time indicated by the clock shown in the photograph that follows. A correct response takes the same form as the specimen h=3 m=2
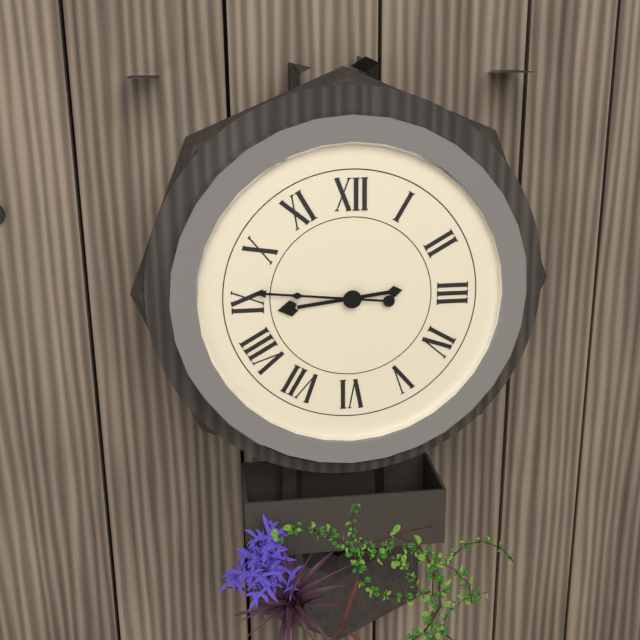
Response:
h=8 m=46
